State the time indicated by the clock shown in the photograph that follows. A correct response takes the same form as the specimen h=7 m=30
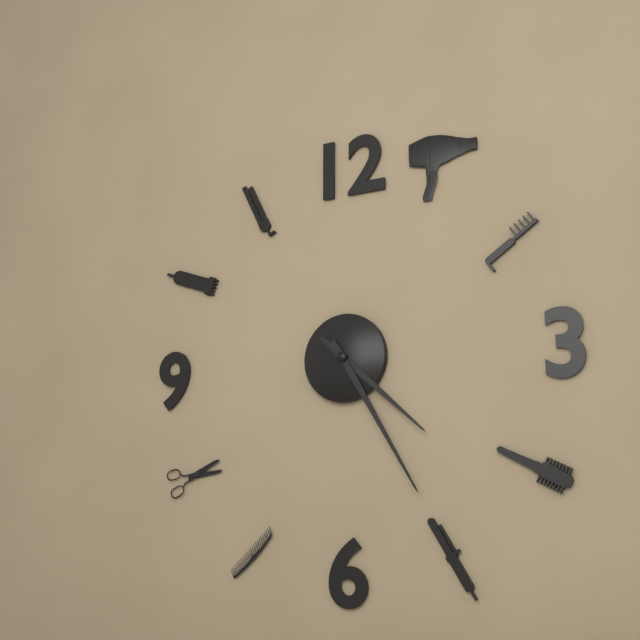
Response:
h=4 m=25
